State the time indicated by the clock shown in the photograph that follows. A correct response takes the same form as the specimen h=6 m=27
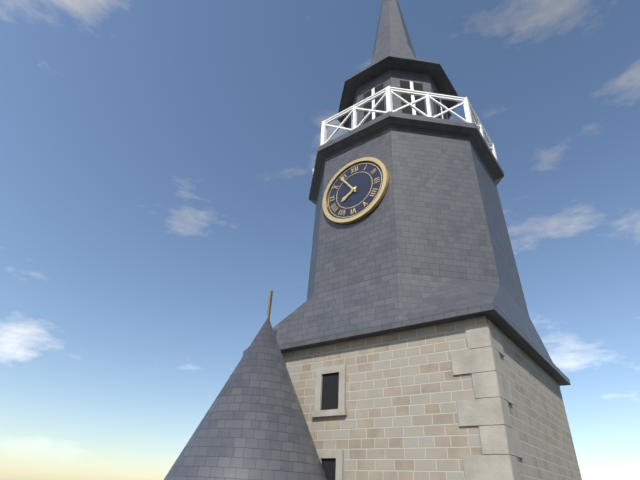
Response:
h=7 m=54
